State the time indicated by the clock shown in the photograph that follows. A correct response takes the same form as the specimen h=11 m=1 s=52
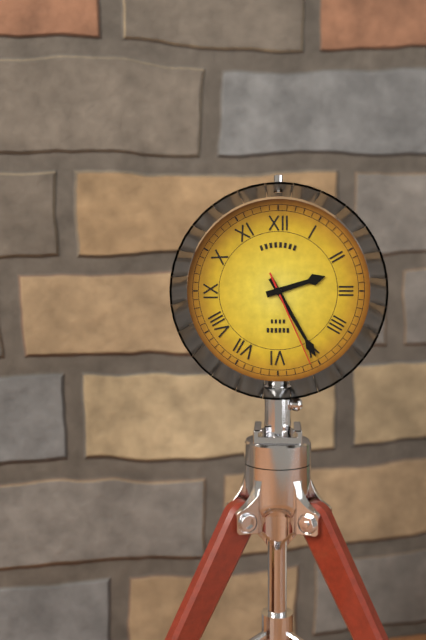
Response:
h=2 m=25 s=26
